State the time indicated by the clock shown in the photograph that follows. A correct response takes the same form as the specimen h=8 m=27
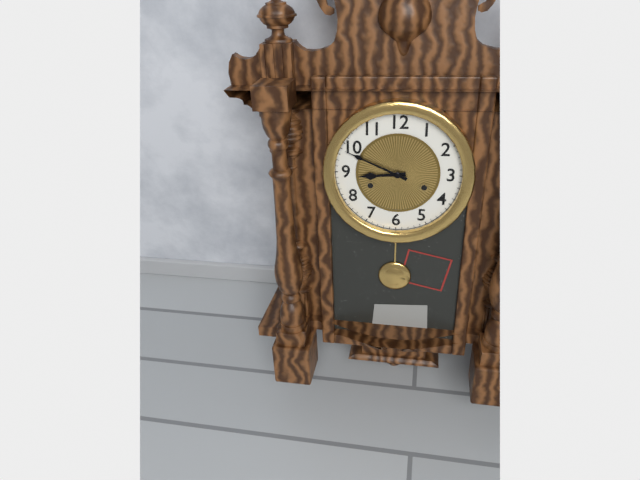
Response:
h=8 m=49
